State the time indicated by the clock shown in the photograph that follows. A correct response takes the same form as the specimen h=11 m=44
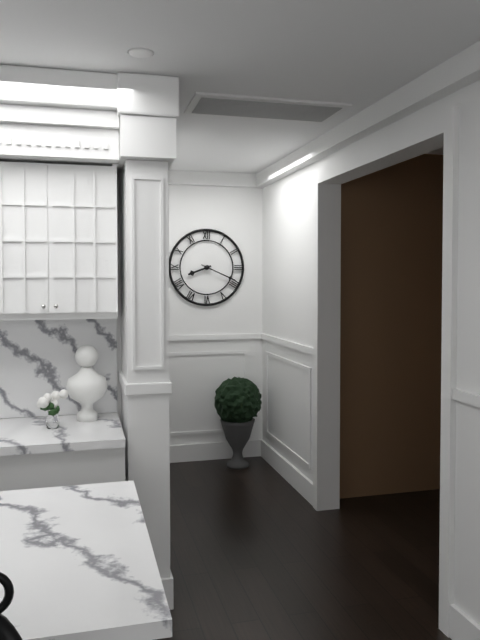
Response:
h=8 m=19
